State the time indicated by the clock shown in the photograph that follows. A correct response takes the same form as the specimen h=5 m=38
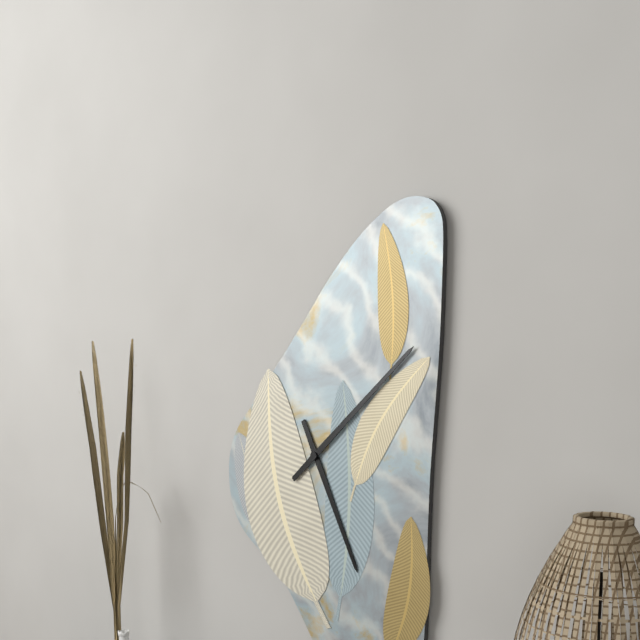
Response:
h=5 m=8
